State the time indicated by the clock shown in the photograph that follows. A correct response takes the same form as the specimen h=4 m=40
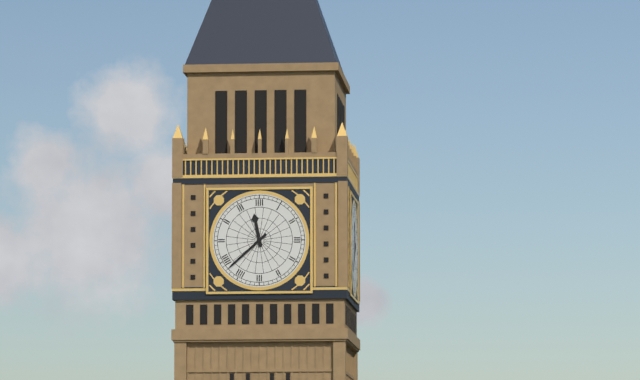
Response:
h=11 m=38
